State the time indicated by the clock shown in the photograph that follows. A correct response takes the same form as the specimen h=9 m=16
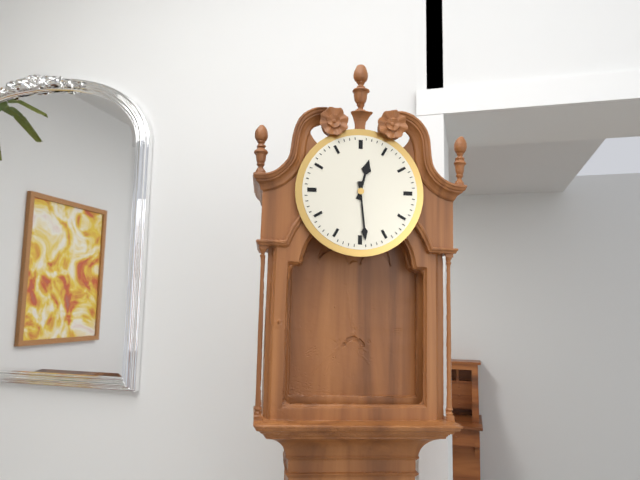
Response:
h=12 m=29
